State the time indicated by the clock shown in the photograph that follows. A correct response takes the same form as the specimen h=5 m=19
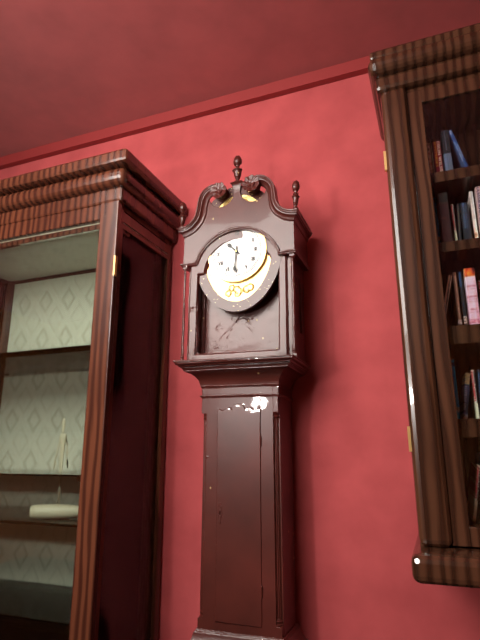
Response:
h=10 m=31
